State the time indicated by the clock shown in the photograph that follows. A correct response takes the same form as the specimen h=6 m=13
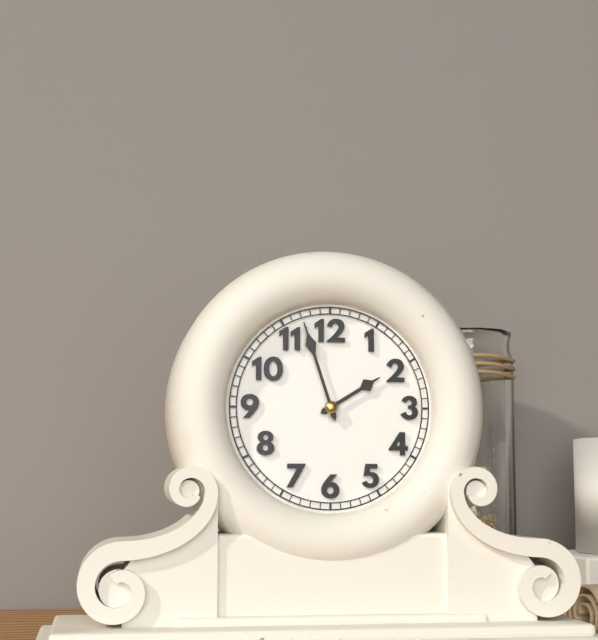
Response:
h=1 m=57
